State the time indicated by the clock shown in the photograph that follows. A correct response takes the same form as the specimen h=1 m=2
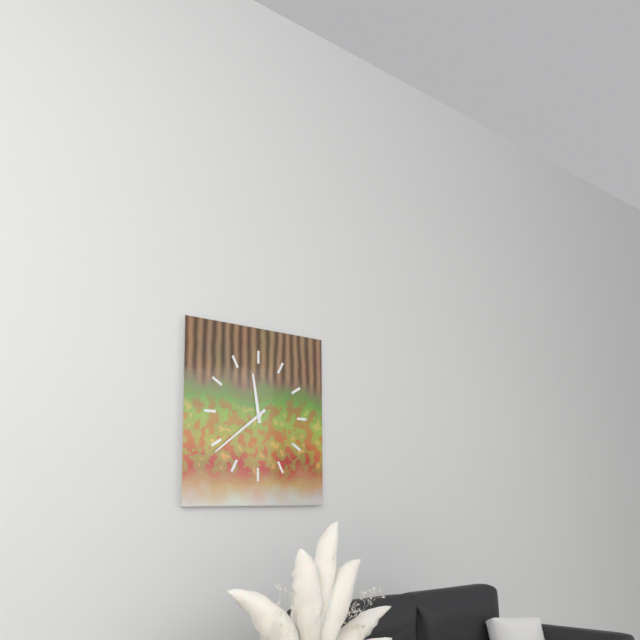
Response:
h=11 m=39
